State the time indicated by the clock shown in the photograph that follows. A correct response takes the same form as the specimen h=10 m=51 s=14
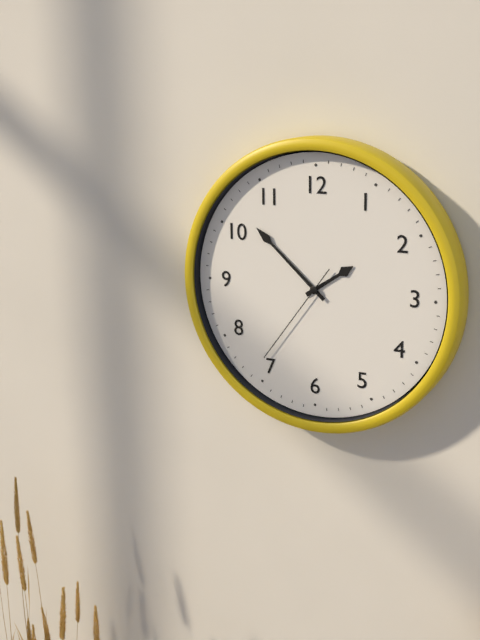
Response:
h=1 m=52 s=36
